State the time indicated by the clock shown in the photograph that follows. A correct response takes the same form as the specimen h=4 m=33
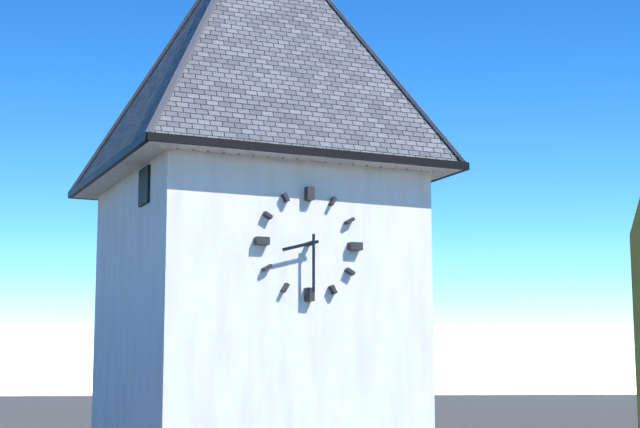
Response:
h=8 m=30
